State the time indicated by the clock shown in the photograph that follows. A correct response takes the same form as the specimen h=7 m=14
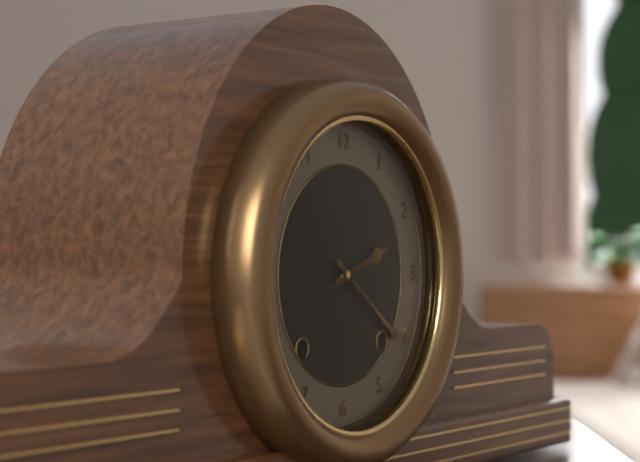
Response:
h=2 m=21
